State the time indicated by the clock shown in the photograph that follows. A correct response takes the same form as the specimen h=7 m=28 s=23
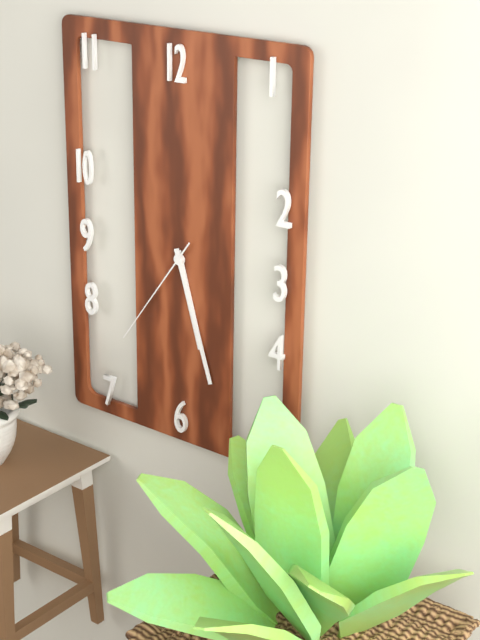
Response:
h=5 m=27 s=36
